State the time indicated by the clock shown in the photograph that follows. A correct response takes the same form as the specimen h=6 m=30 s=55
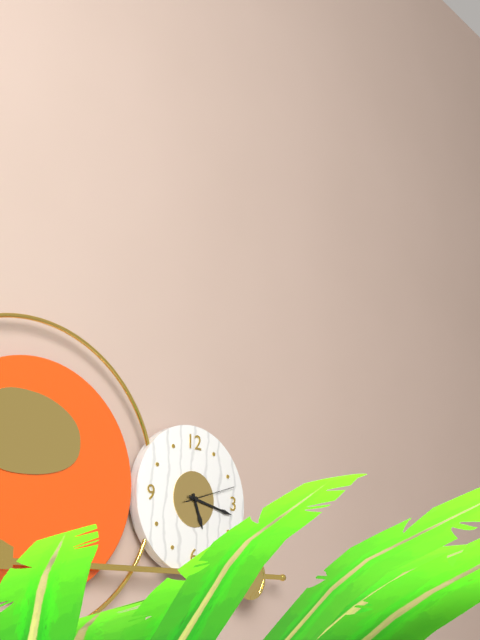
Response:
h=5 m=17 s=12
